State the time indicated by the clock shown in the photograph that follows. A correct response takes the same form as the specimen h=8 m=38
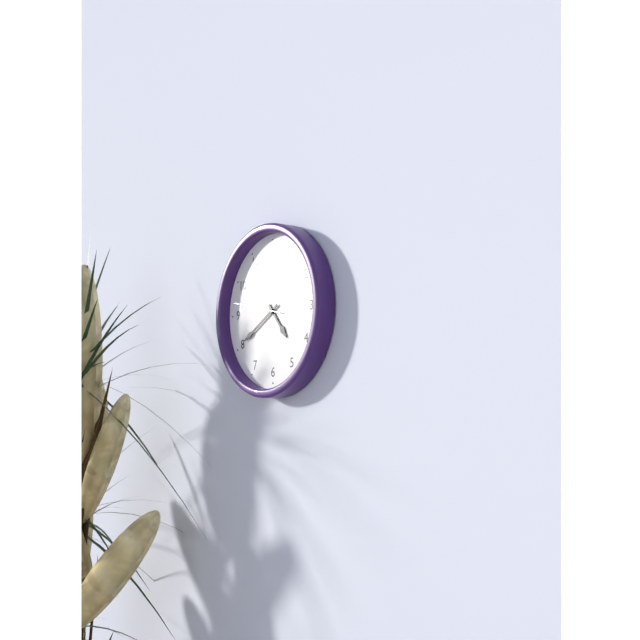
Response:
h=4 m=40
